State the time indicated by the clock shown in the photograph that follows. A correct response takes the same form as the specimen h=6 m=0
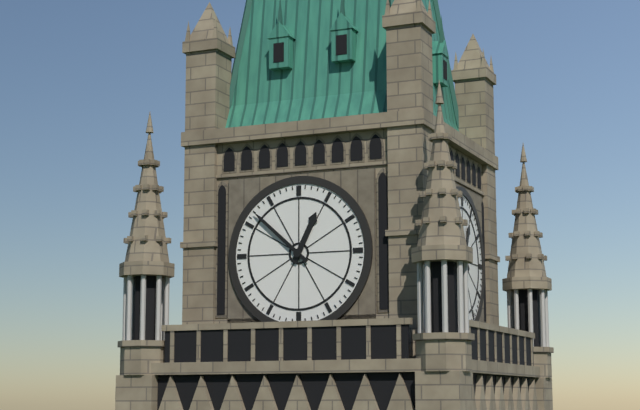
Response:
h=12 m=52
